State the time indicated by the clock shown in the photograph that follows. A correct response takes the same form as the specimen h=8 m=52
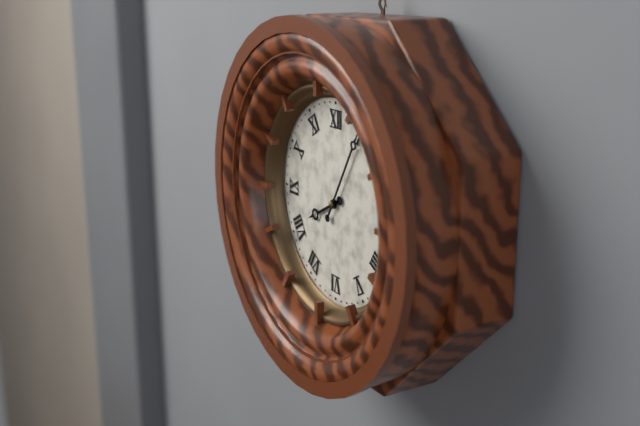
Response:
h=8 m=5
